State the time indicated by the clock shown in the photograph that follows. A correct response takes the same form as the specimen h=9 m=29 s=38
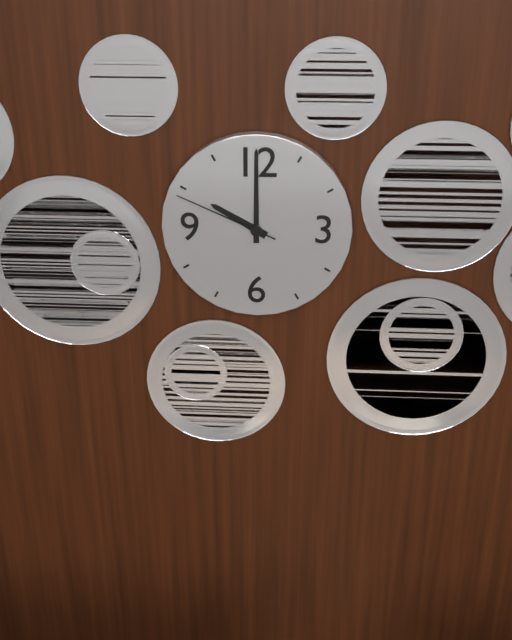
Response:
h=10 m=0 s=49
